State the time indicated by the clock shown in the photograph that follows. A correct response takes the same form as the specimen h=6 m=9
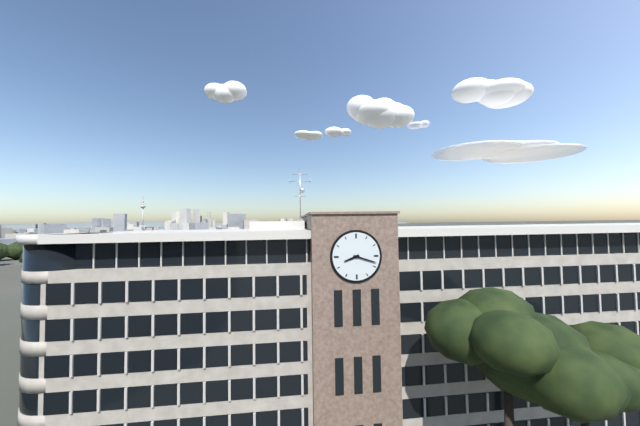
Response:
h=8 m=18
